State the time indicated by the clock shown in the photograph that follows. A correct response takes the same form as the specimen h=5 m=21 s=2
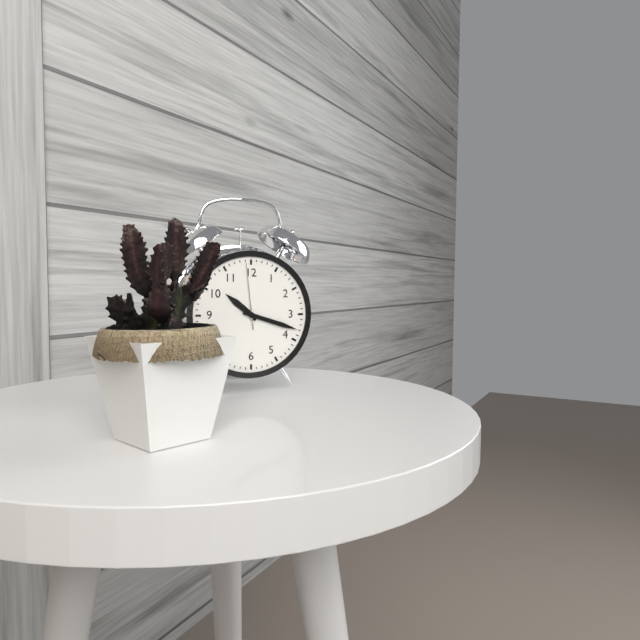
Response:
h=10 m=18 s=59
